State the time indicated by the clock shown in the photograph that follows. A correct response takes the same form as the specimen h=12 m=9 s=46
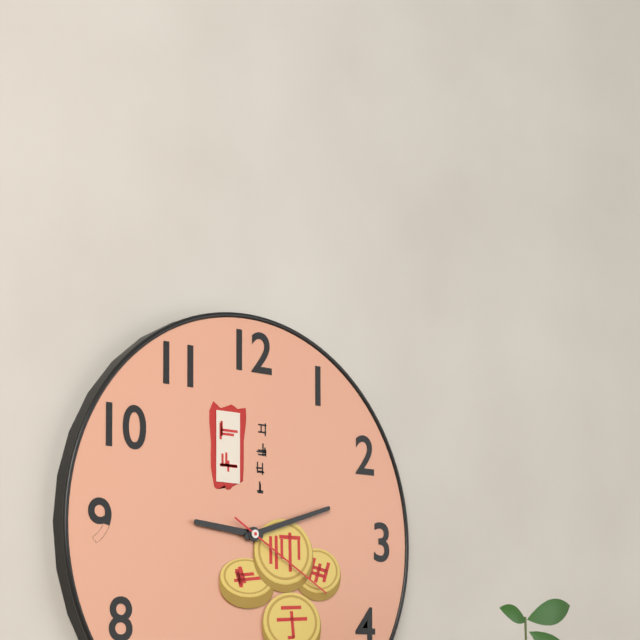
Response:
h=9 m=12 s=20
